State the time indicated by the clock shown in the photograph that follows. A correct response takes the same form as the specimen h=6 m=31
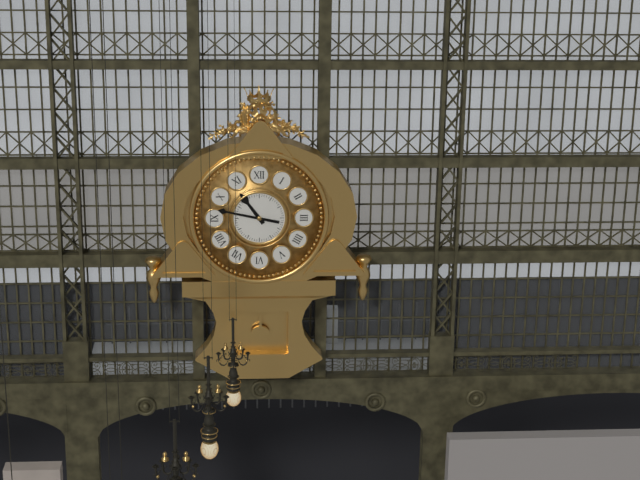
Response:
h=10 m=47
